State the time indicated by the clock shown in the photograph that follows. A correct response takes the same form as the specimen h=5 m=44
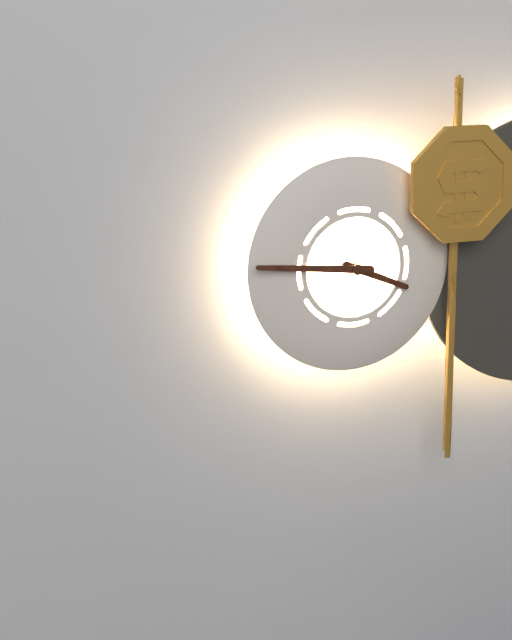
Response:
h=3 m=46
